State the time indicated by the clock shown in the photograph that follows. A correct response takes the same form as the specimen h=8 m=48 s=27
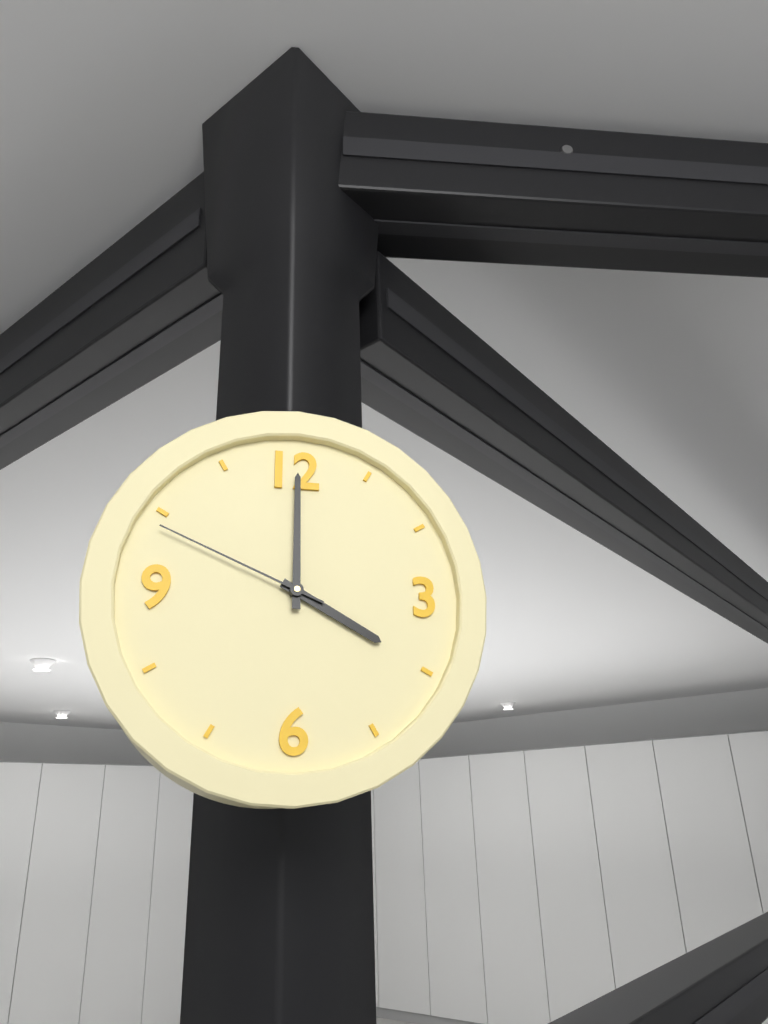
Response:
h=4 m=0 s=49
